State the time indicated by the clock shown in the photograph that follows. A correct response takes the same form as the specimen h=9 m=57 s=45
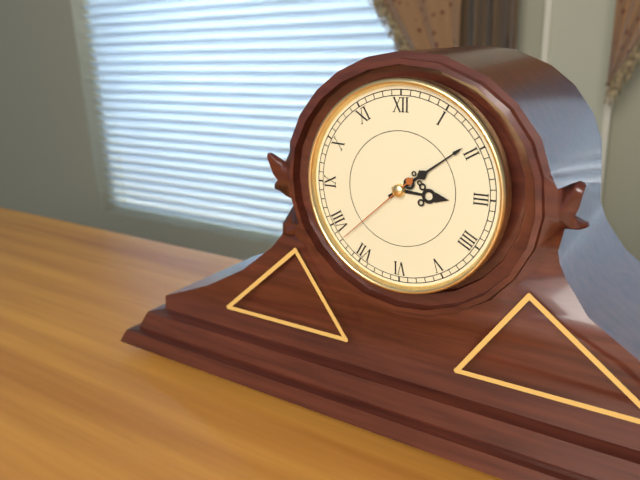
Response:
h=3 m=9 s=38
